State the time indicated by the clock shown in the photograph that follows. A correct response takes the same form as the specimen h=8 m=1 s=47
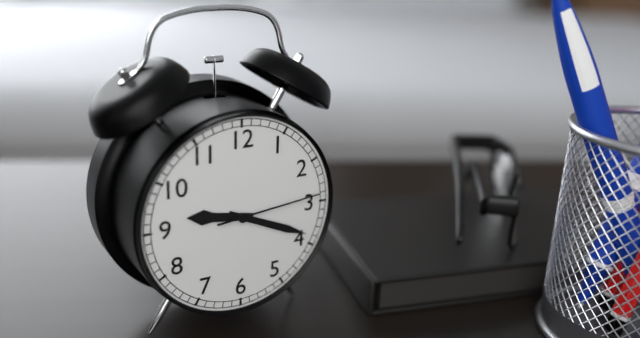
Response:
h=9 m=19 s=14
